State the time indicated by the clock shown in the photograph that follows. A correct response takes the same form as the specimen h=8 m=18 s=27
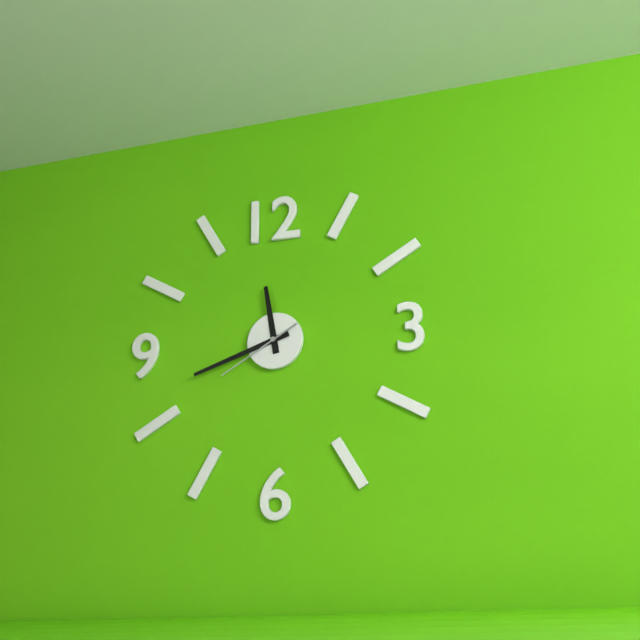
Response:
h=11 m=42 s=40
